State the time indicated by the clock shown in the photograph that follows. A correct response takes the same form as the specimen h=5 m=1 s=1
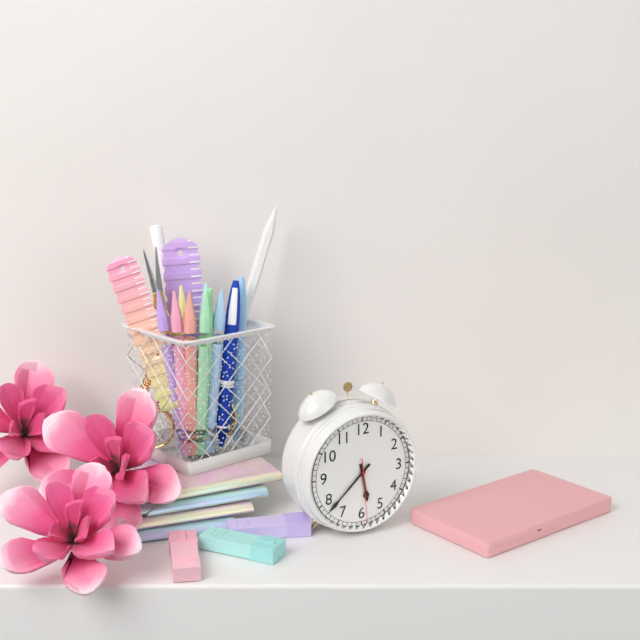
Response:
h=5 m=38 s=29
